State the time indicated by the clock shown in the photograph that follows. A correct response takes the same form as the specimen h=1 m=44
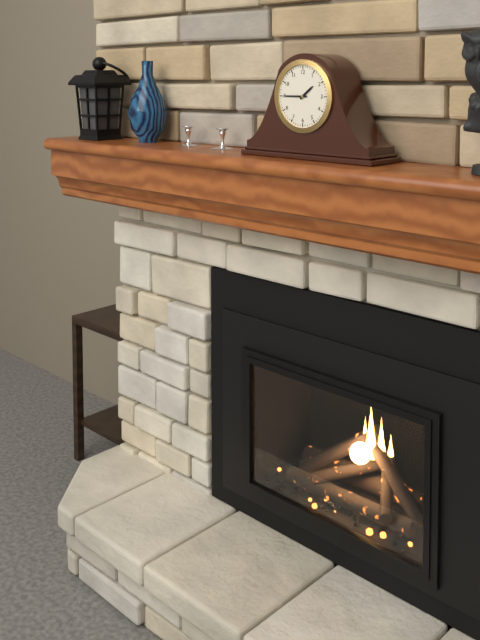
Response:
h=1 m=45
